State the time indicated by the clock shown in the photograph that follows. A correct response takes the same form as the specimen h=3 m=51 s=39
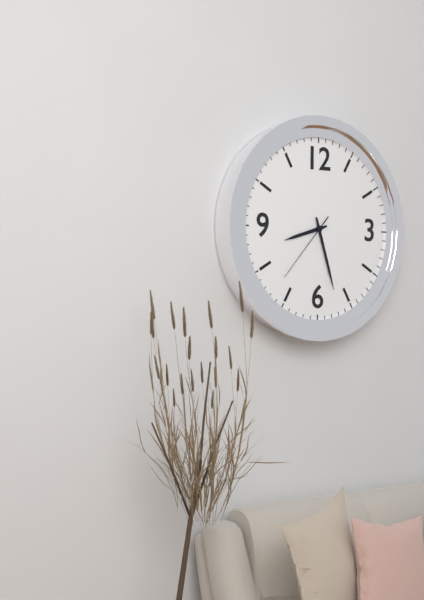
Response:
h=8 m=27 s=37
